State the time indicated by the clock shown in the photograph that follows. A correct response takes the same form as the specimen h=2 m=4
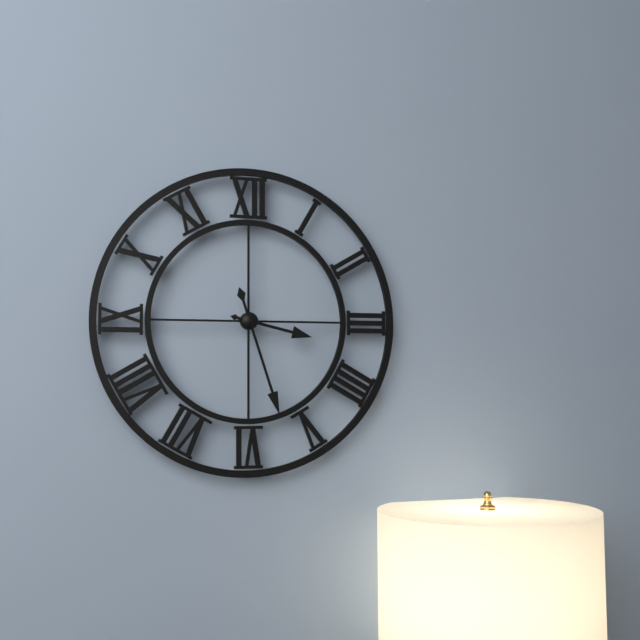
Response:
h=3 m=27
